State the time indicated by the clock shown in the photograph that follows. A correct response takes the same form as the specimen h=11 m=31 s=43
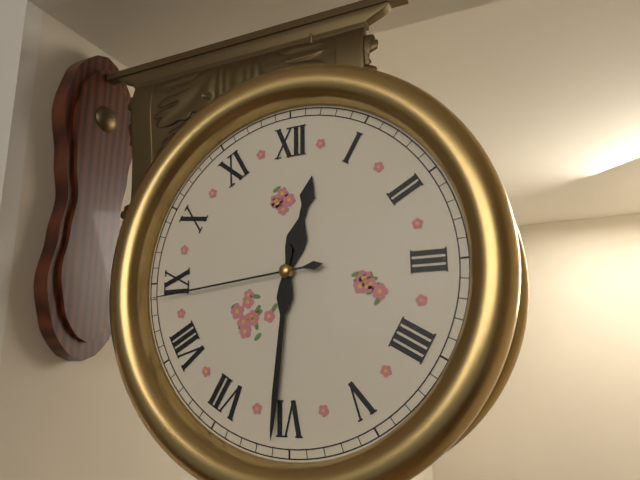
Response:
h=12 m=31 s=44
